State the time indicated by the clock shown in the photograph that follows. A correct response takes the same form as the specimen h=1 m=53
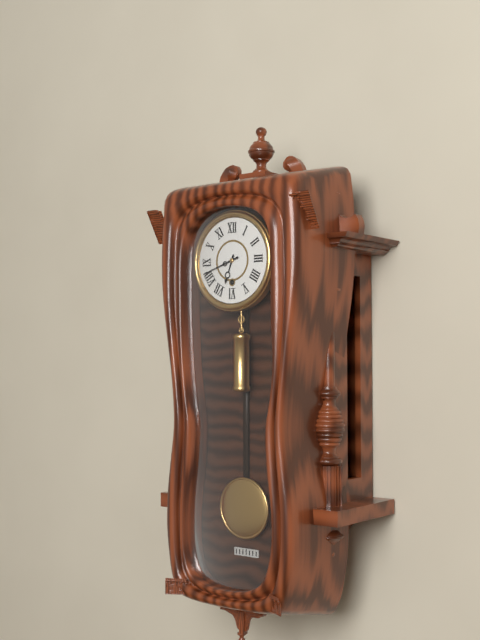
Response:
h=6 m=42
